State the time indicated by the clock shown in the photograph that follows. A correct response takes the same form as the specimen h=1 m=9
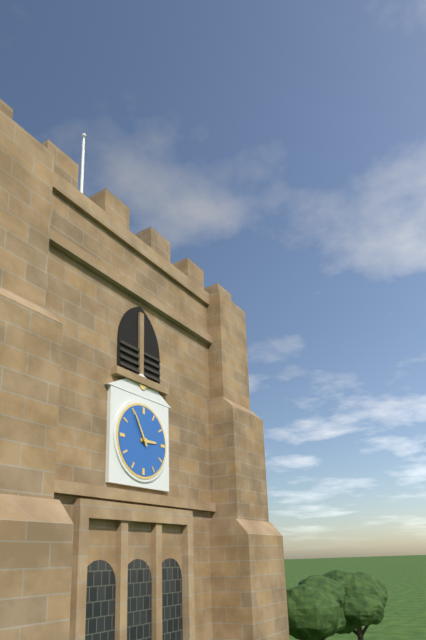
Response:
h=2 m=55
